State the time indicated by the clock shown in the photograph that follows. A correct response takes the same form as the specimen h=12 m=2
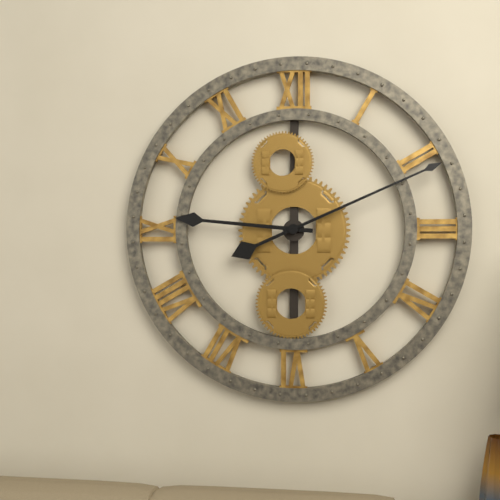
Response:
h=9 m=11
